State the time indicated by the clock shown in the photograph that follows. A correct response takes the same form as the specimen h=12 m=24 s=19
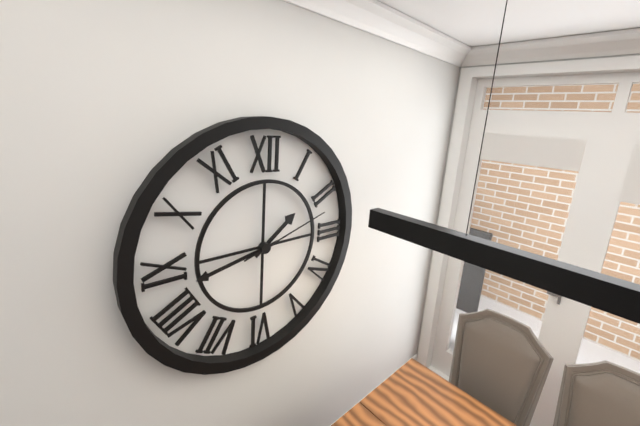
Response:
h=1 m=43 s=12
